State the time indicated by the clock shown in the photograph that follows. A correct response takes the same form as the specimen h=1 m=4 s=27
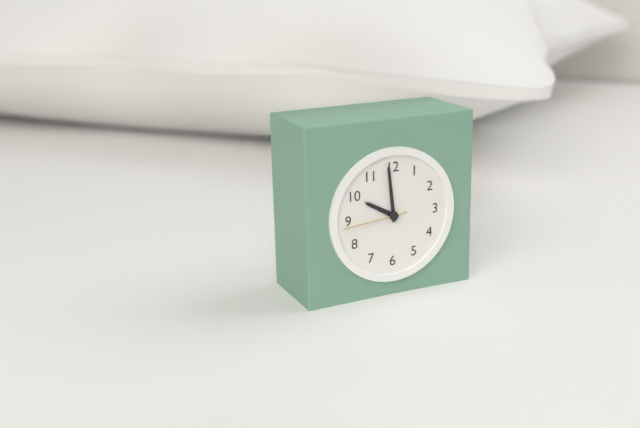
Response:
h=9 m=59 s=44
